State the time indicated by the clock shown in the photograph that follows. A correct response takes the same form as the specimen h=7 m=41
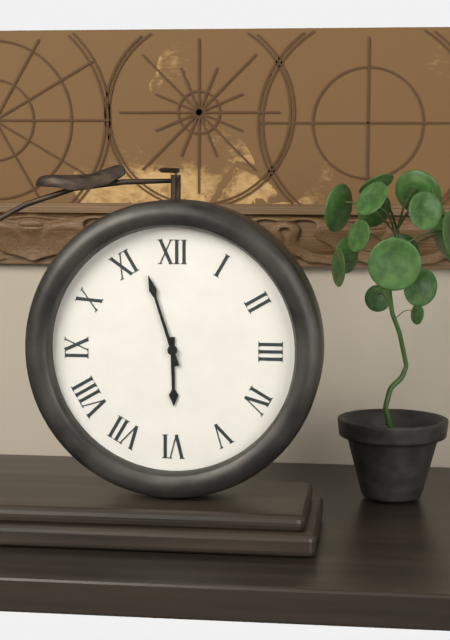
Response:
h=5 m=57
